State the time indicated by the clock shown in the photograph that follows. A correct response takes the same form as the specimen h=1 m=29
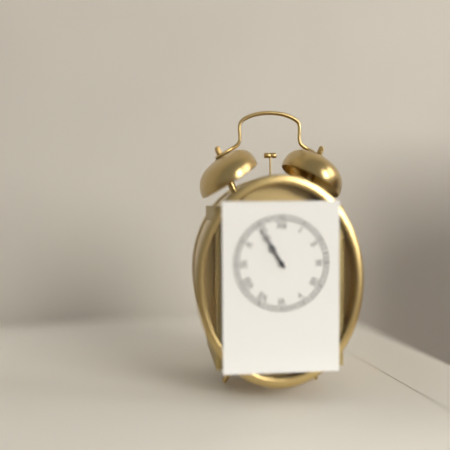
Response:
h=10 m=55
